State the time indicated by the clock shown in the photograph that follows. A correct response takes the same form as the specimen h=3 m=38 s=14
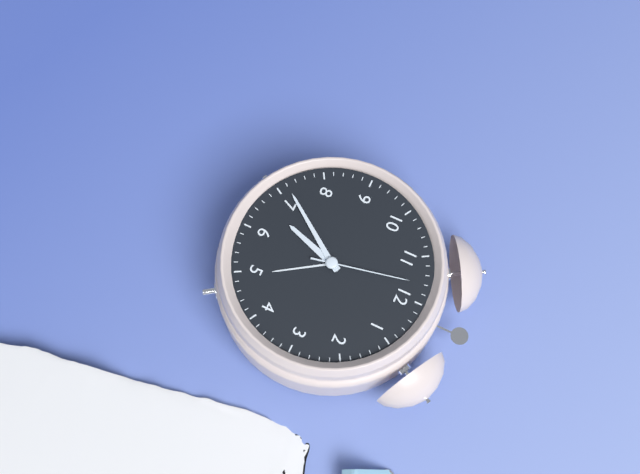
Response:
h=6 m=36 s=58
